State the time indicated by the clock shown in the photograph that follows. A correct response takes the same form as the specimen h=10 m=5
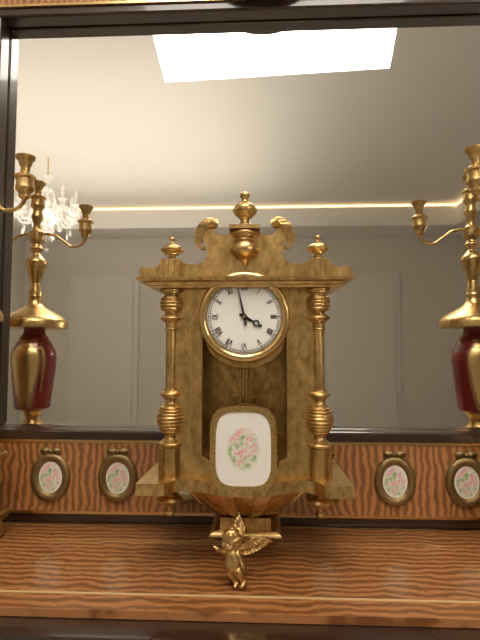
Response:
h=3 m=58
